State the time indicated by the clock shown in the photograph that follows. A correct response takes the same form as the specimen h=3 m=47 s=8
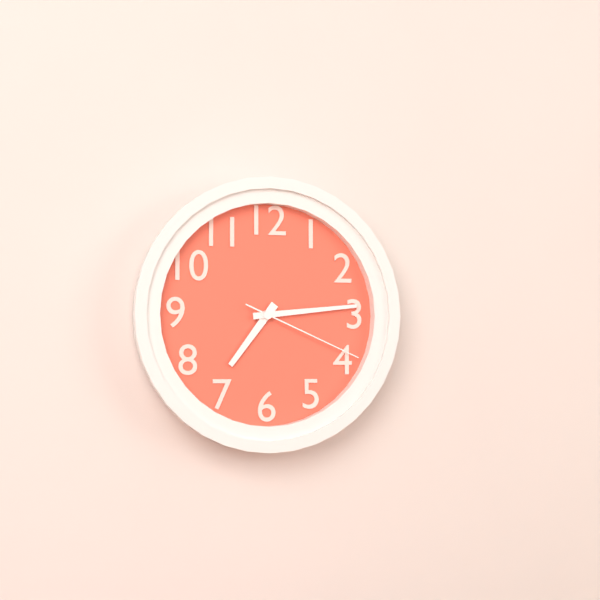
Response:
h=7 m=14 s=19
